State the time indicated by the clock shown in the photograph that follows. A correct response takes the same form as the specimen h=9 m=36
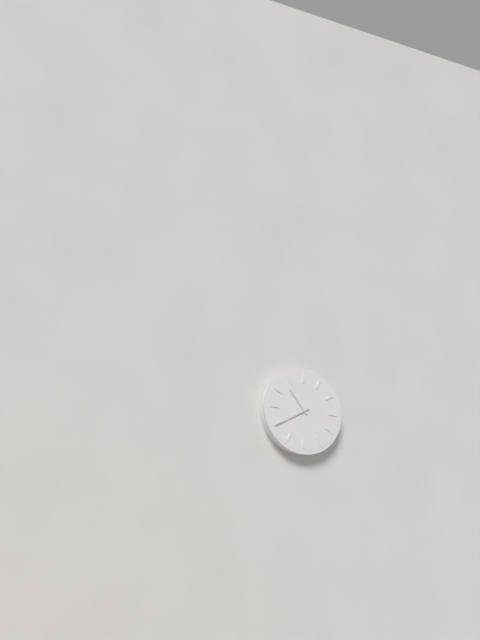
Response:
h=10 m=40
